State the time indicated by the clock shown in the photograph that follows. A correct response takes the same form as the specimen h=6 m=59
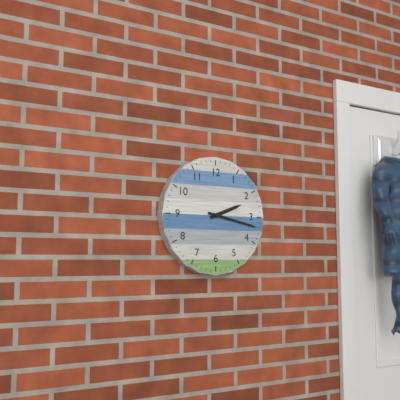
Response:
h=2 m=17
